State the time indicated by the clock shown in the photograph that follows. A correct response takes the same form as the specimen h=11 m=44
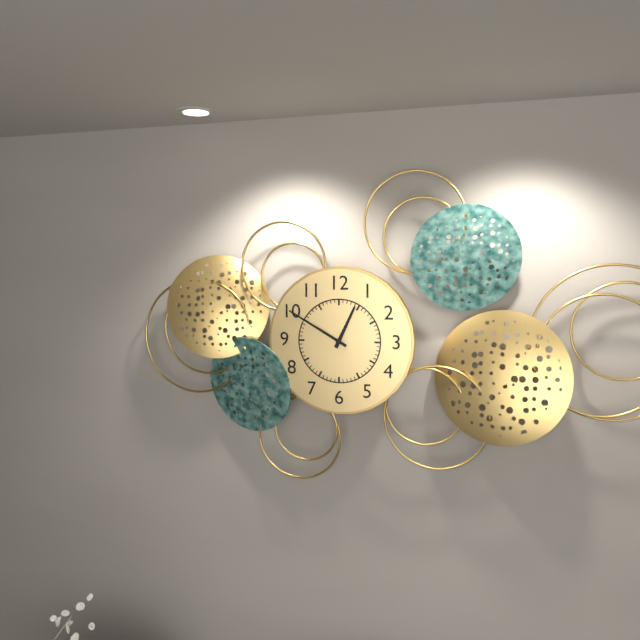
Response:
h=12 m=50
